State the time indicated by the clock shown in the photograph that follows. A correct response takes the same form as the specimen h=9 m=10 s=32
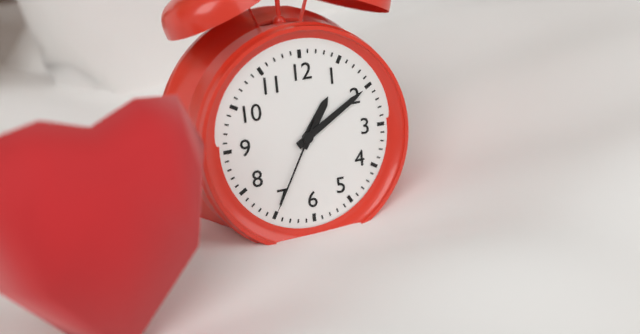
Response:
h=1 m=10 s=35
